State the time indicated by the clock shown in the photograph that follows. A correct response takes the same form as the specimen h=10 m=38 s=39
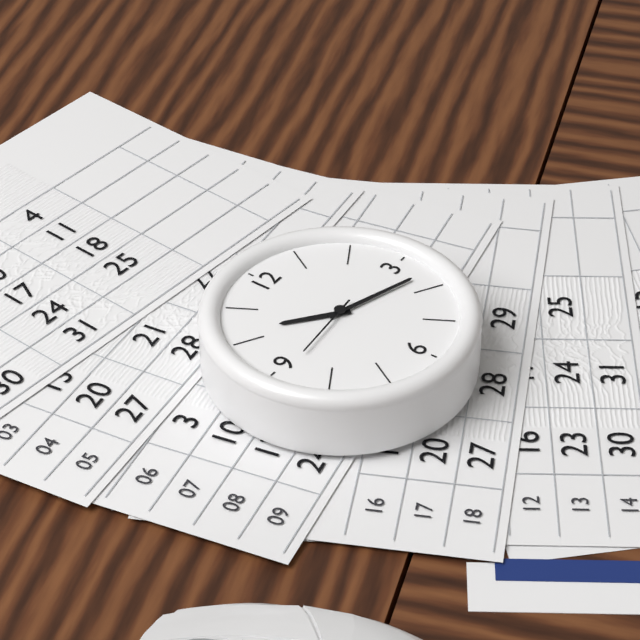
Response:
h=10 m=18 s=44
